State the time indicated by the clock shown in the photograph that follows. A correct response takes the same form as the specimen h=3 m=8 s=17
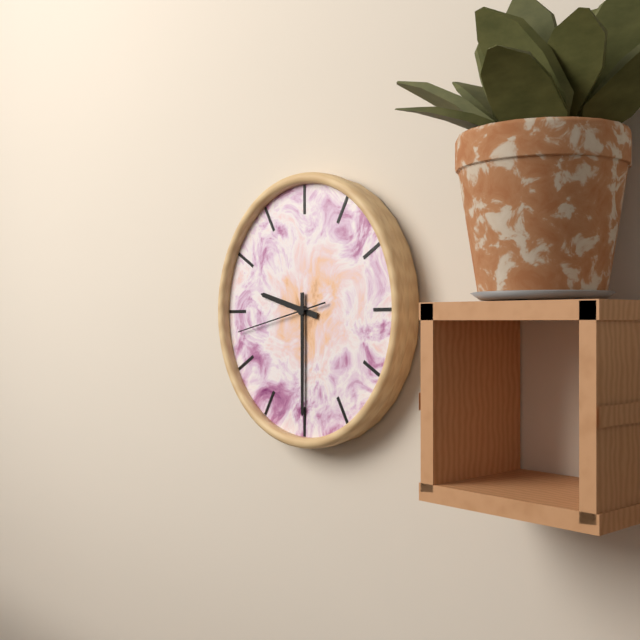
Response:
h=9 m=30 s=43
